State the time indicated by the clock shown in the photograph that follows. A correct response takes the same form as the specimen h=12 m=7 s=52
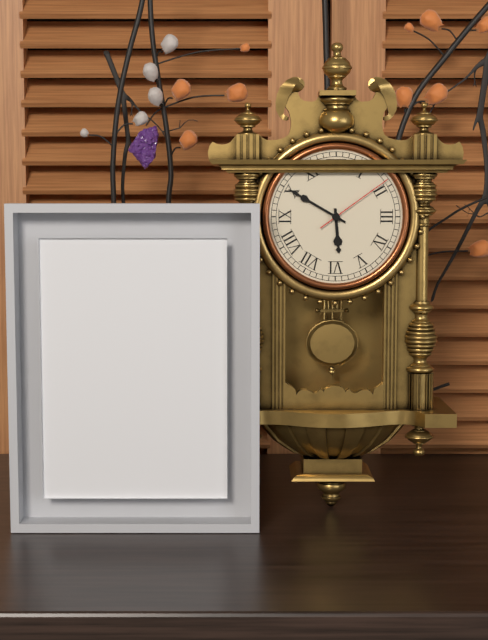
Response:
h=5 m=50 s=9
